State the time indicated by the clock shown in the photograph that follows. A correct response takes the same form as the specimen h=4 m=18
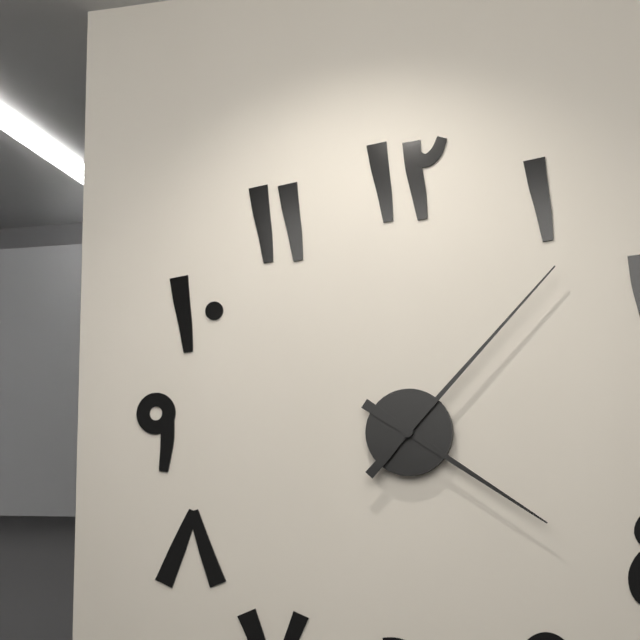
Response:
h=4 m=7
